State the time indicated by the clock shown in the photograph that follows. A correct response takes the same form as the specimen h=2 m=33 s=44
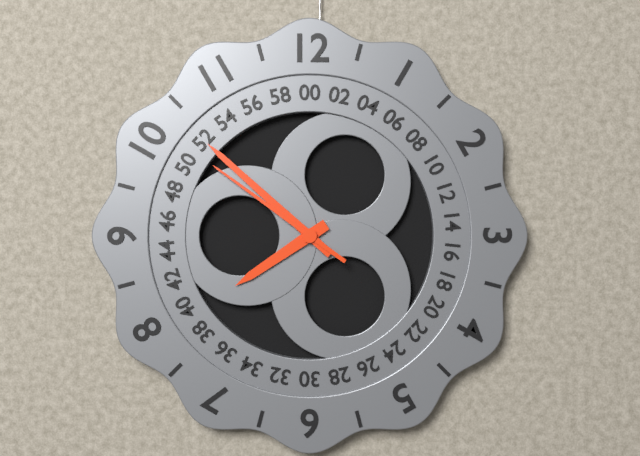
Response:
h=7 m=52 s=51
